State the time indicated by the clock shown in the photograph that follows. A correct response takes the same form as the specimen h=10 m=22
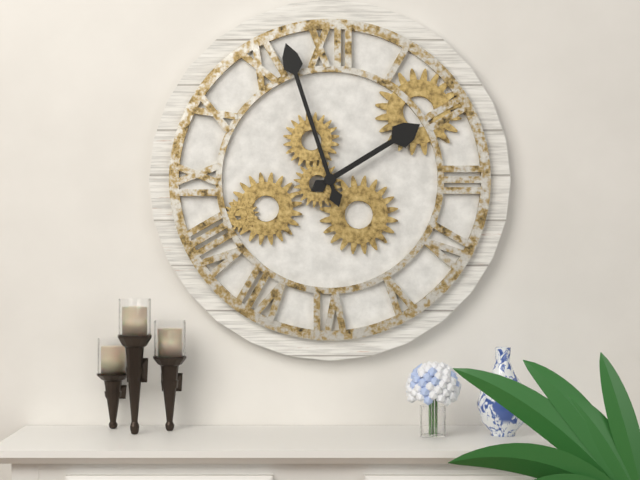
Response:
h=1 m=57
